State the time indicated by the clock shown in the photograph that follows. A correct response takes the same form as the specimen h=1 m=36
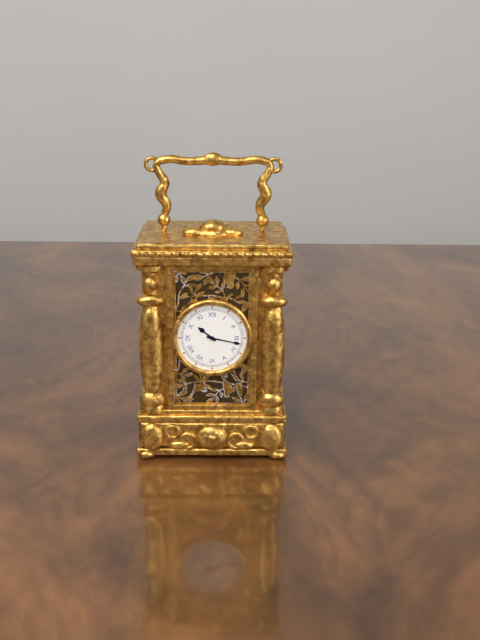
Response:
h=10 m=17
